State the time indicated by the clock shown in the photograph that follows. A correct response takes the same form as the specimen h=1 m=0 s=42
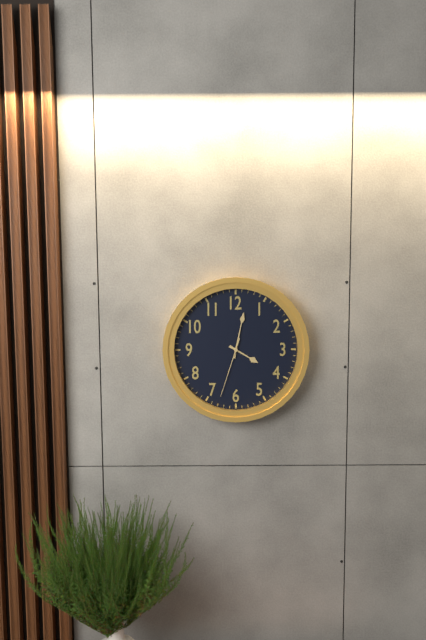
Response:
h=4 m=2 s=33
